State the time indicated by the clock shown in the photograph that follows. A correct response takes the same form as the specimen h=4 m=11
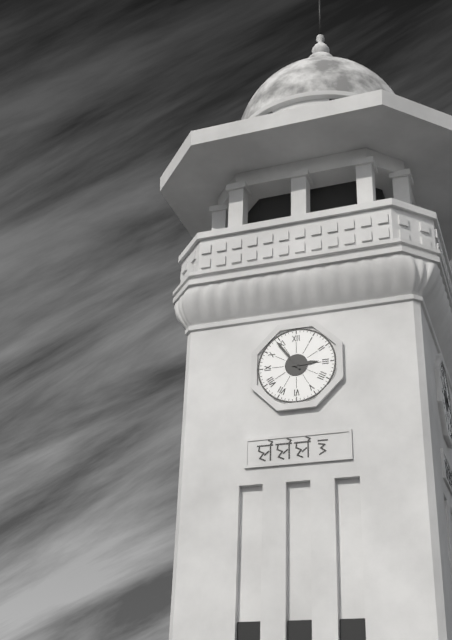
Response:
h=2 m=54
